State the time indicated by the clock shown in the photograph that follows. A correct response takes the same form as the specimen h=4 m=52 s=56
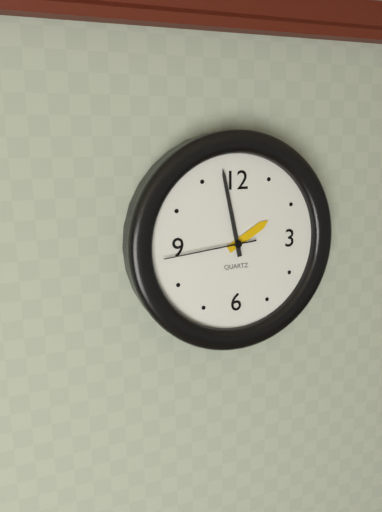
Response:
h=1 m=58 s=44
